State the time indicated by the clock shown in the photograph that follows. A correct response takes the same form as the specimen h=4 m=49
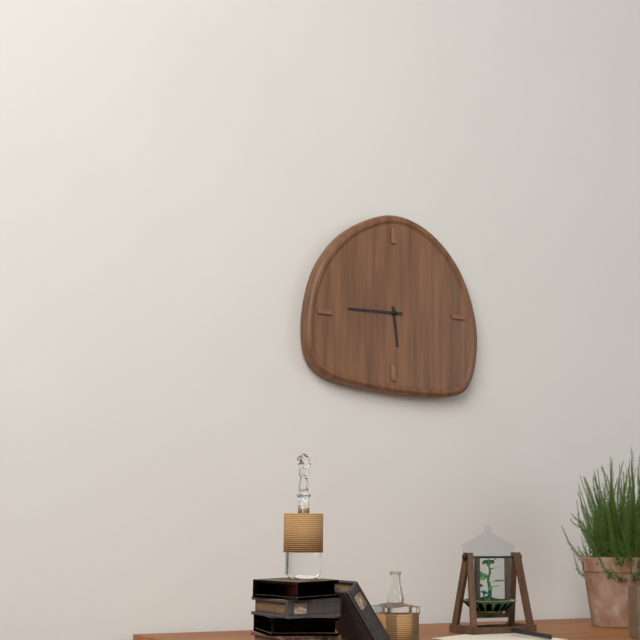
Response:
h=5 m=45
